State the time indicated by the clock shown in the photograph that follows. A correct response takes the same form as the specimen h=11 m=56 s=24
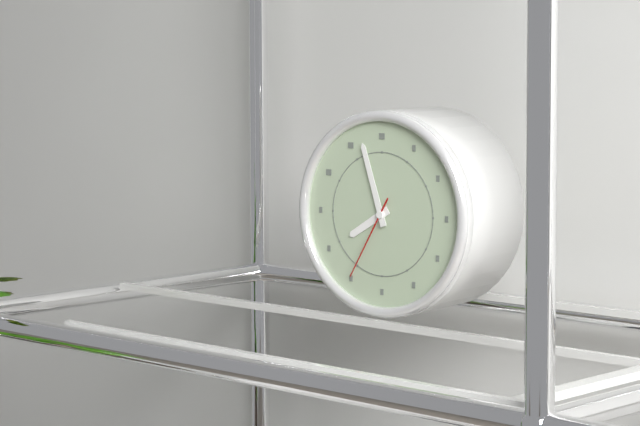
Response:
h=7 m=57 s=35
